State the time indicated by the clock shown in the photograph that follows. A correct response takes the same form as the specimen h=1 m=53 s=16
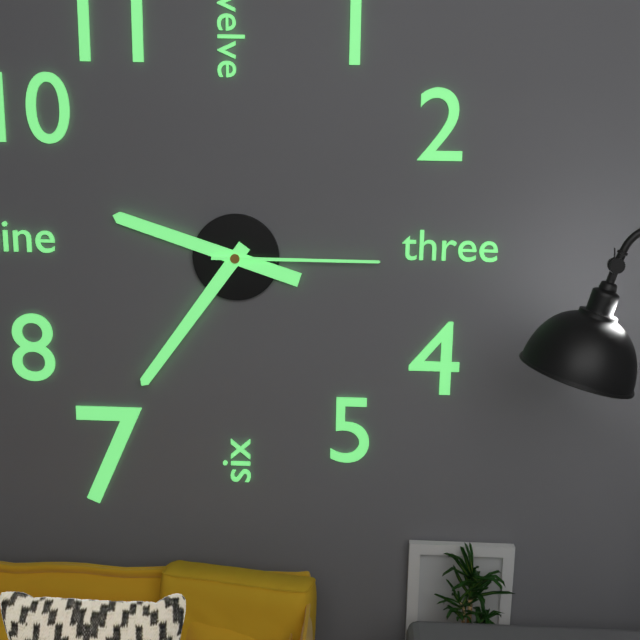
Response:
h=9 m=36 s=15
